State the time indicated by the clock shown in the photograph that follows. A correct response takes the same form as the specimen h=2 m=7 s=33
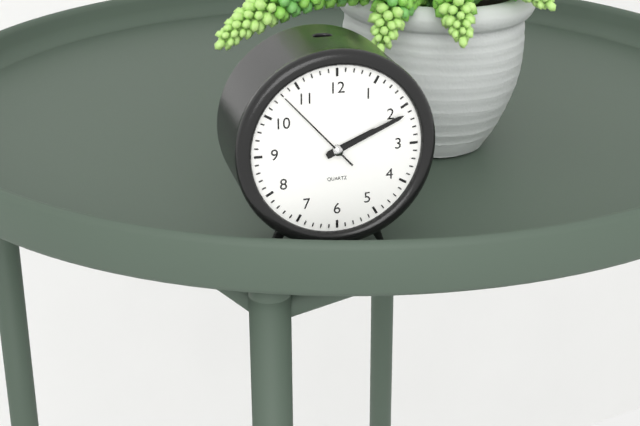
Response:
h=2 m=11 s=53
